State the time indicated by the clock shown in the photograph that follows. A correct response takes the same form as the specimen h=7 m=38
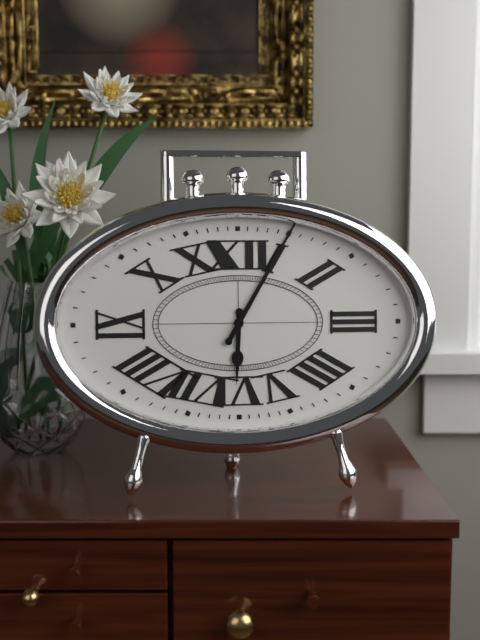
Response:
h=6 m=5
